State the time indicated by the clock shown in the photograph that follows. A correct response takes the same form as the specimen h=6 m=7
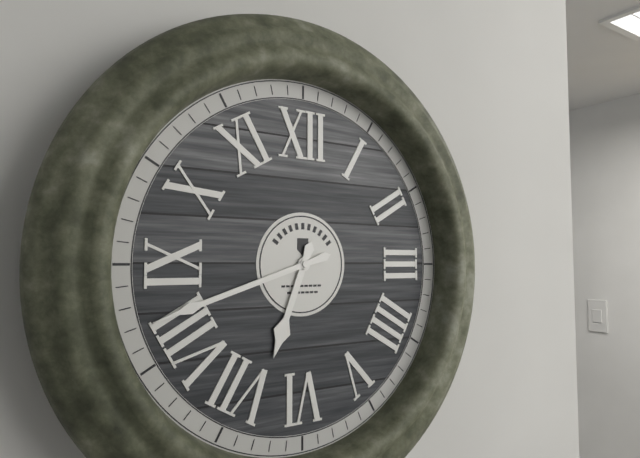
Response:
h=6 m=42
